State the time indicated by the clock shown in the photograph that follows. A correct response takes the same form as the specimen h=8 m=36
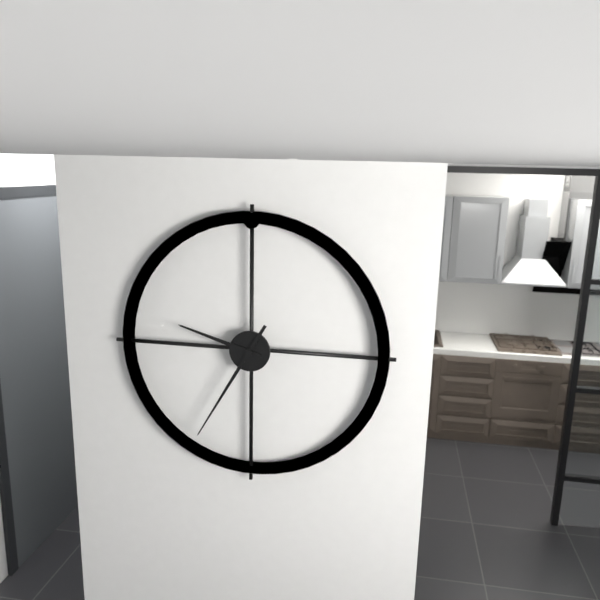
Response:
h=9 m=35
